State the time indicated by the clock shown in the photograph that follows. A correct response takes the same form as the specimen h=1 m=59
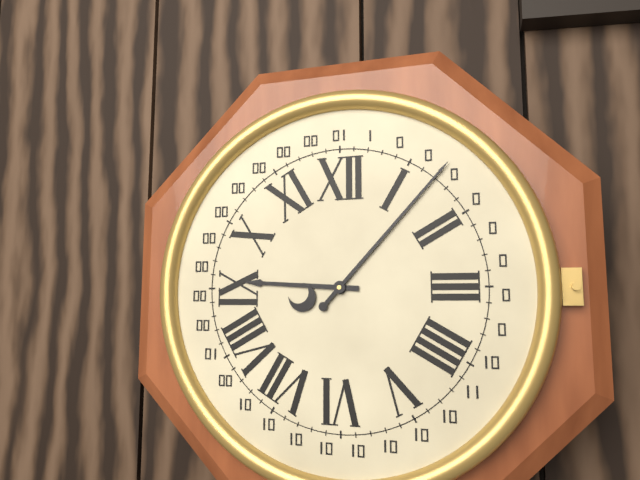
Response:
h=9 m=7
